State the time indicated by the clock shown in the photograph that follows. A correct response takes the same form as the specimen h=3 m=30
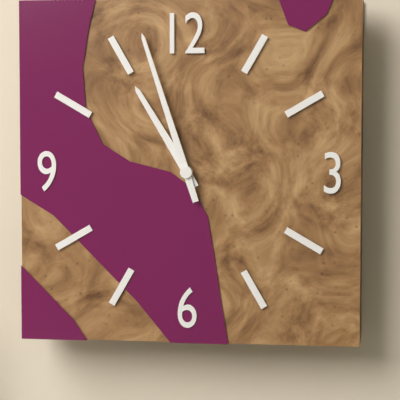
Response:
h=10 m=57
